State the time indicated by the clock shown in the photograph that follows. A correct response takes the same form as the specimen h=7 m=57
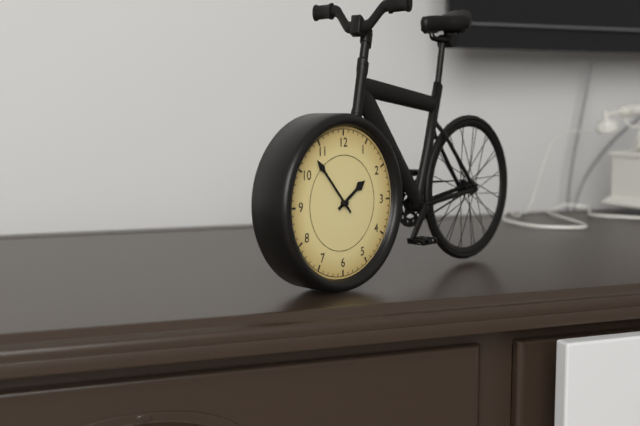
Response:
h=1 m=53
